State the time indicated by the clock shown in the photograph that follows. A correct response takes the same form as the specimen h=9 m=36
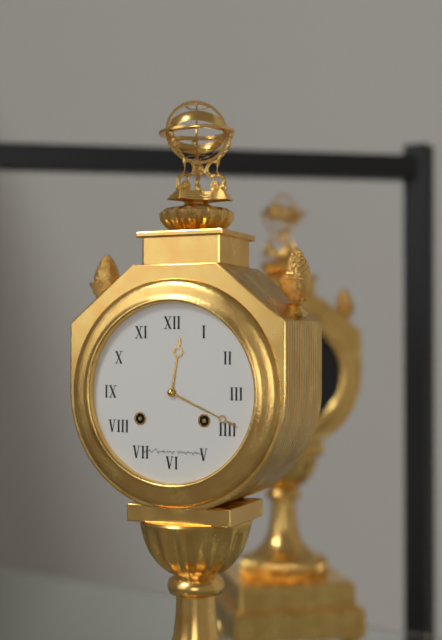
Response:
h=12 m=19
